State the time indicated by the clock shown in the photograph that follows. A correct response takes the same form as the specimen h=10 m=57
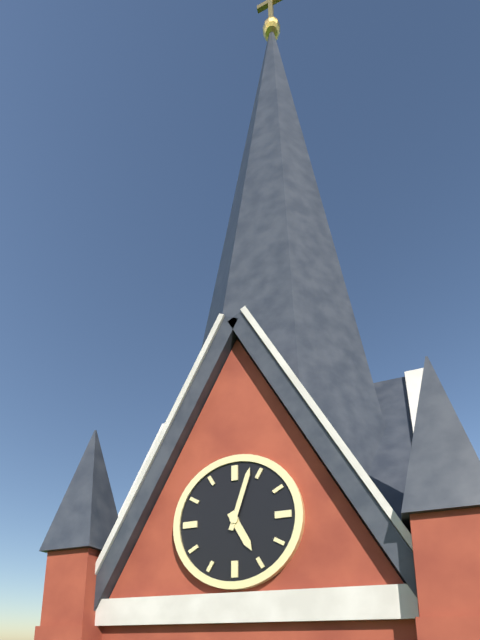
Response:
h=5 m=3
